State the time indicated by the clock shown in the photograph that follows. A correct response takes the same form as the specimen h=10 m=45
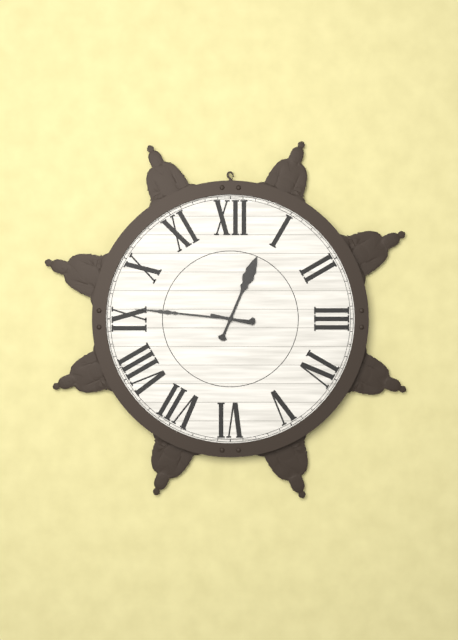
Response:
h=12 m=46
